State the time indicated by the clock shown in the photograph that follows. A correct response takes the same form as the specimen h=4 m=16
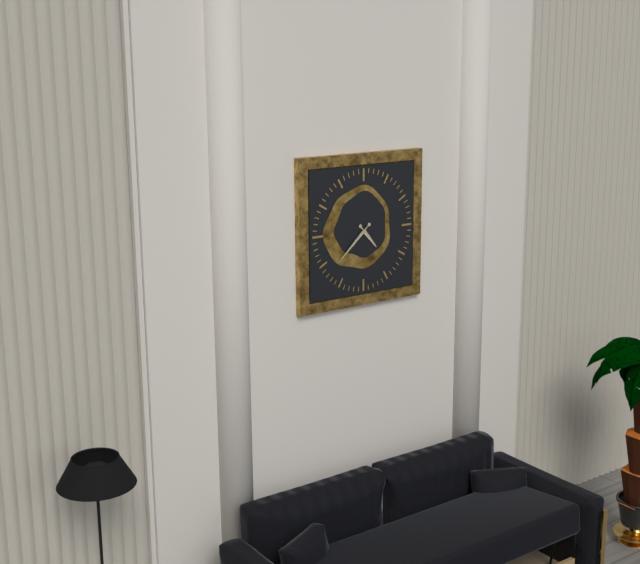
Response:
h=4 m=38
